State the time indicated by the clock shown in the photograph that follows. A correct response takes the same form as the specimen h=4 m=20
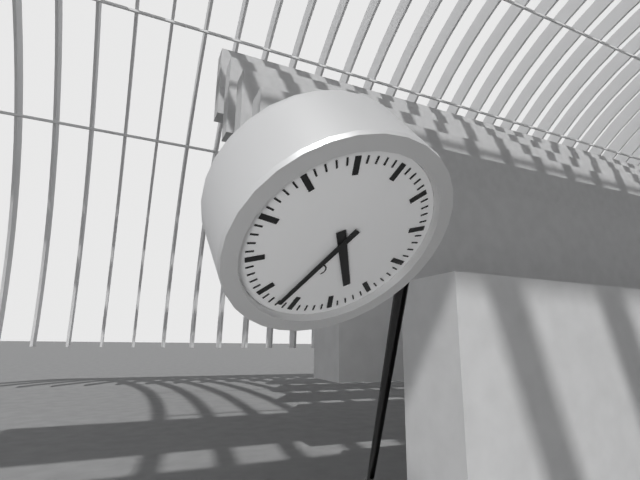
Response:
h=4 m=32
